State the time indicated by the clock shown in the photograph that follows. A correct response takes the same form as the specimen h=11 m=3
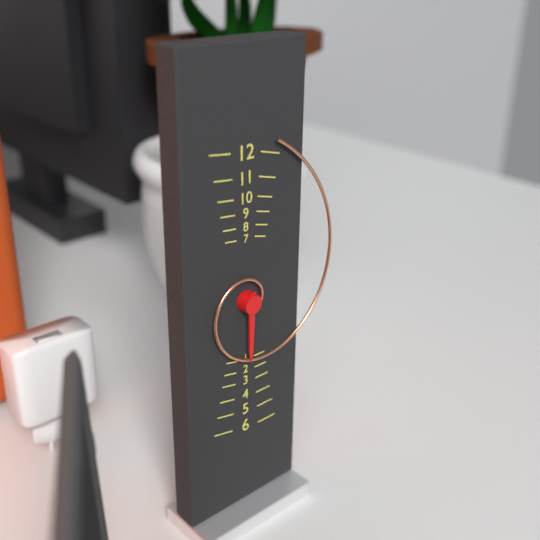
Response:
h=6 m=2
